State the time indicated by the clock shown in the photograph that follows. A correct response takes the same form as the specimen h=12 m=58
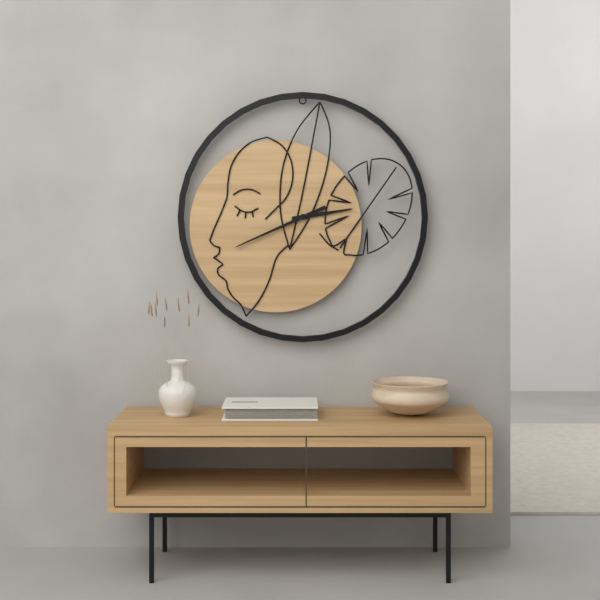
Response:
h=2 m=41
